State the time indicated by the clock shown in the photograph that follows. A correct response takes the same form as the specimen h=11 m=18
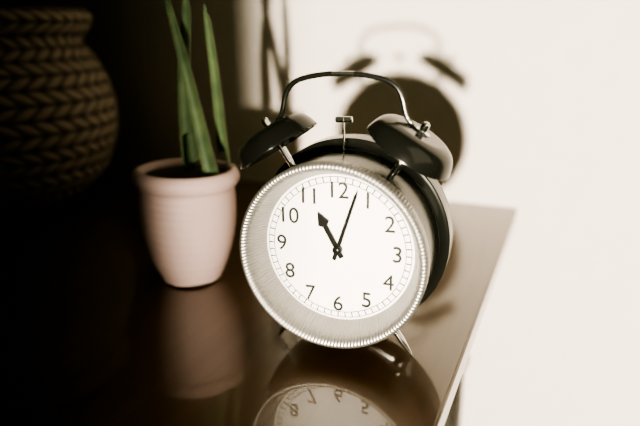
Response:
h=11 m=3
